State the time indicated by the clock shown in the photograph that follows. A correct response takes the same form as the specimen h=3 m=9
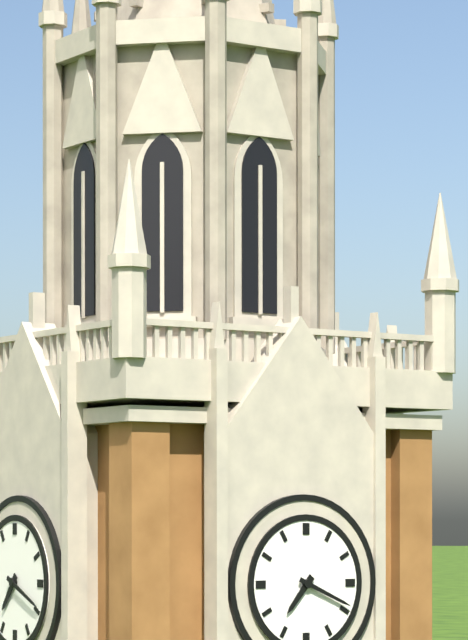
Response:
h=7 m=19
